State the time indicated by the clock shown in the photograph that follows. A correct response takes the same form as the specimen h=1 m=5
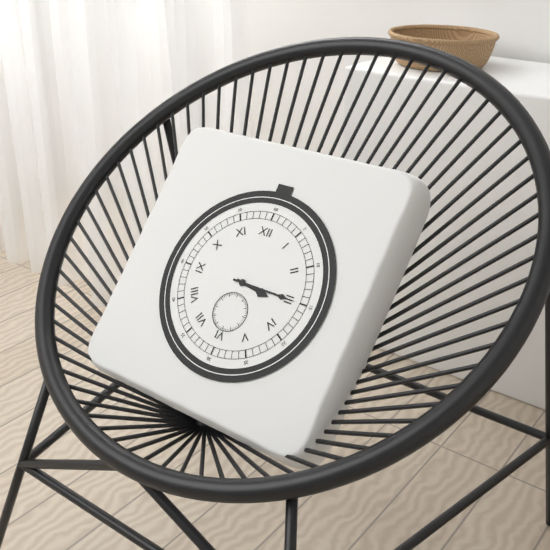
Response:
h=3 m=15
